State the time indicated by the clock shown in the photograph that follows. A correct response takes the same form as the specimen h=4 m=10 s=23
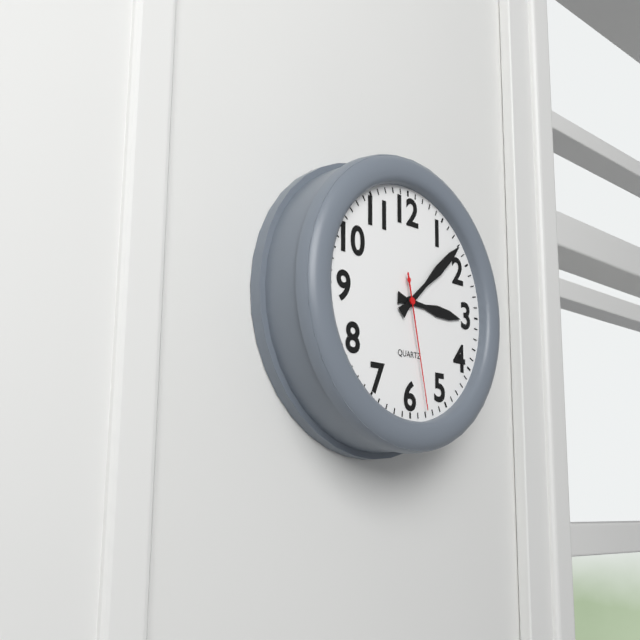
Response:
h=3 m=8 s=28
